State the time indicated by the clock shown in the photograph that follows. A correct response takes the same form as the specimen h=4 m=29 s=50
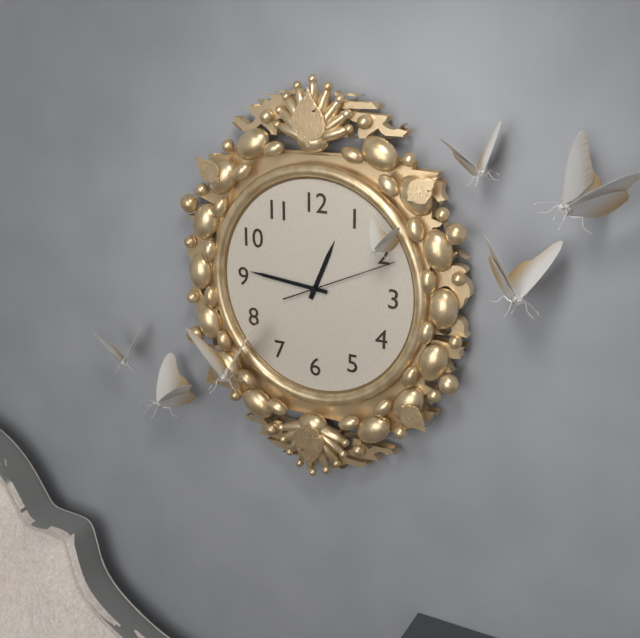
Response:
h=12 m=46 s=11
